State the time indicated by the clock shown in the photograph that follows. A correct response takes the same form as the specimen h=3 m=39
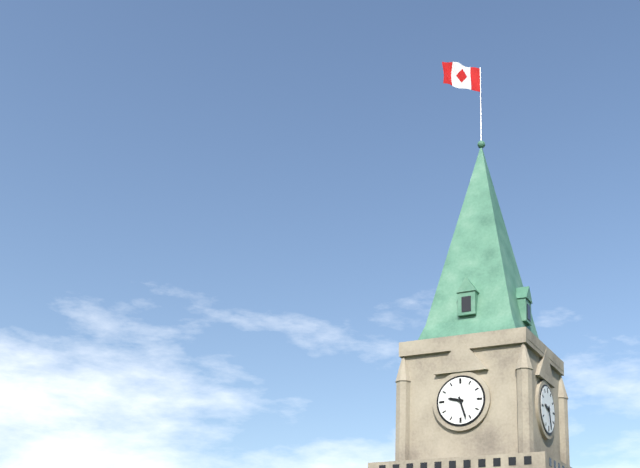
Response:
h=9 m=27
